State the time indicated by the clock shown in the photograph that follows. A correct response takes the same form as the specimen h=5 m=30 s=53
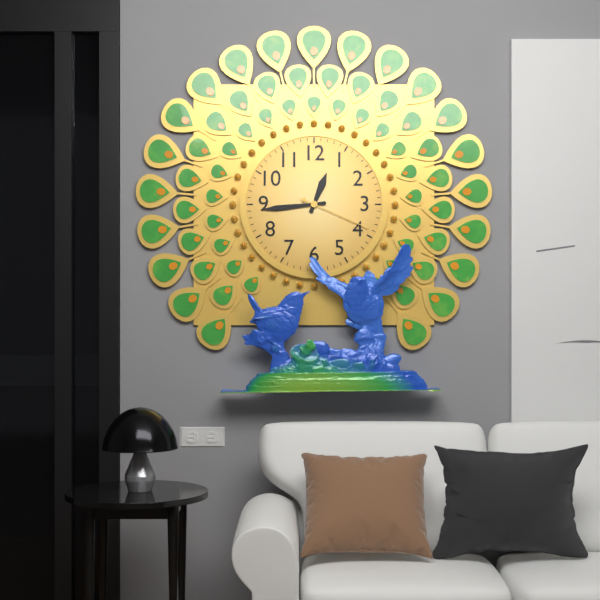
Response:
h=12 m=44 s=19
